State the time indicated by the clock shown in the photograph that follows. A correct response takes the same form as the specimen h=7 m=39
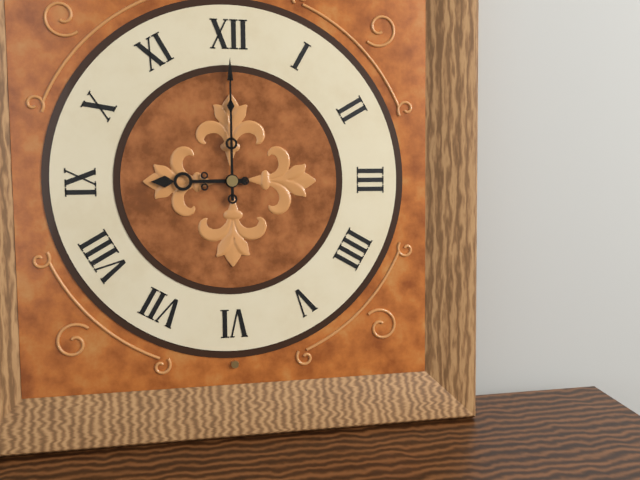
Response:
h=9 m=0
